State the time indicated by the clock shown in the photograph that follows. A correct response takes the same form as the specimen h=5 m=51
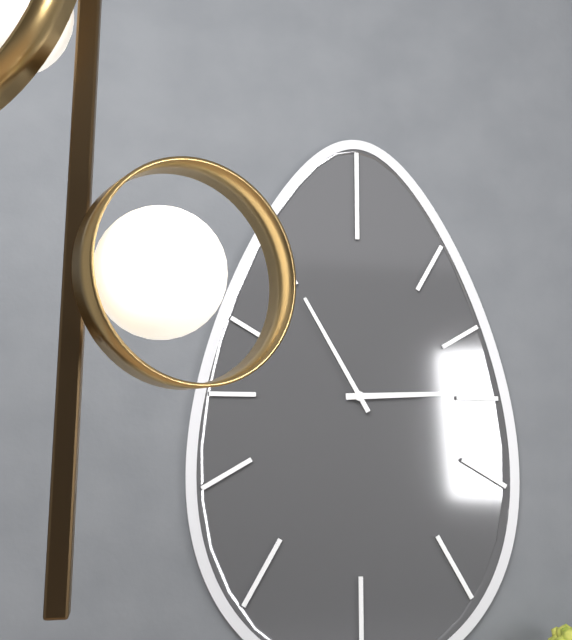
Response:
h=2 m=55
